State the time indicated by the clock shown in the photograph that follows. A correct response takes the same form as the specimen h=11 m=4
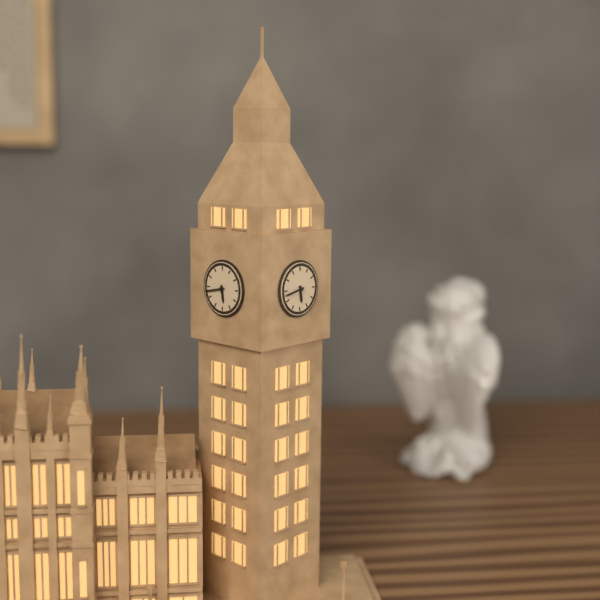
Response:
h=5 m=43
